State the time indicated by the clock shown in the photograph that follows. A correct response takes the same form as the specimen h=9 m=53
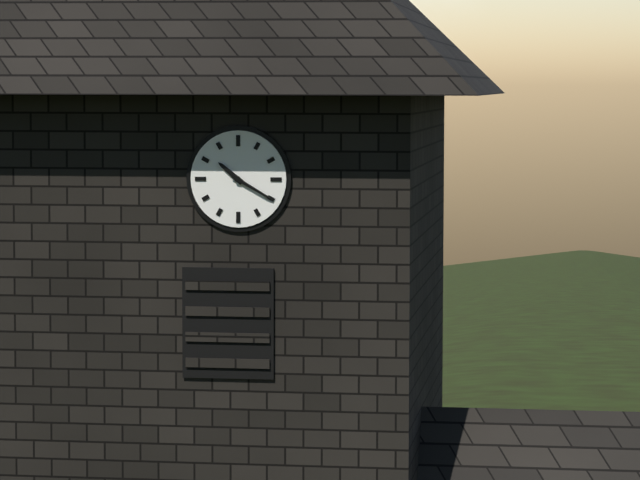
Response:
h=10 m=20
